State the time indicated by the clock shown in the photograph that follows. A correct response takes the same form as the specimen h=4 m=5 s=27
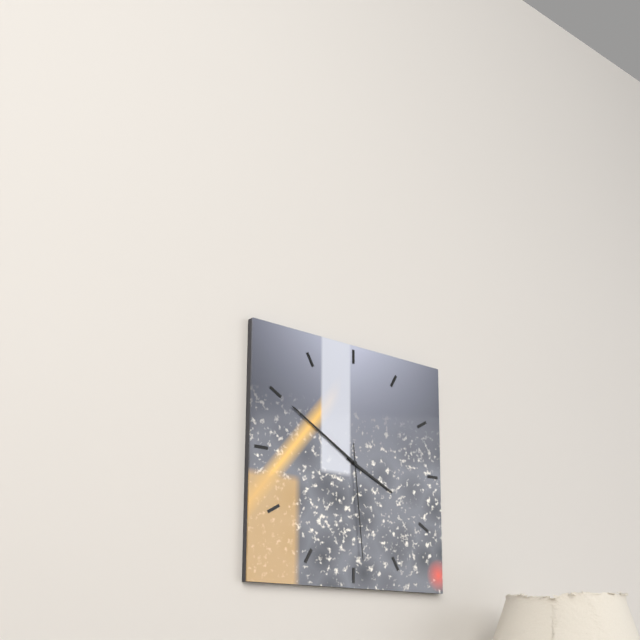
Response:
h=3 m=50 s=29
